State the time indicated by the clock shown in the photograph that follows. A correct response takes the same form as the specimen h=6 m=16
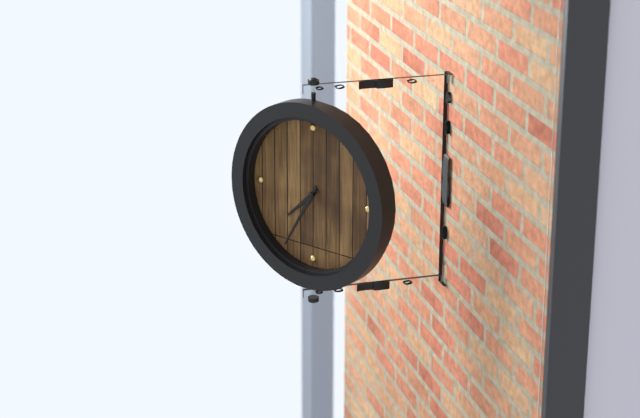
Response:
h=7 m=35
